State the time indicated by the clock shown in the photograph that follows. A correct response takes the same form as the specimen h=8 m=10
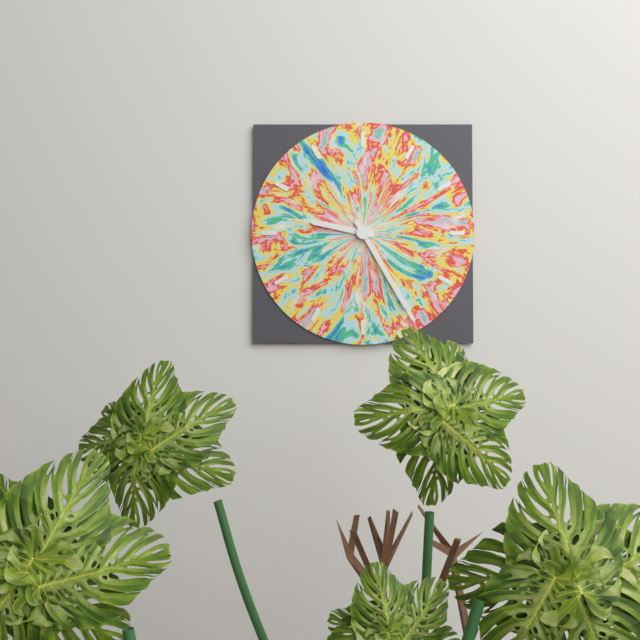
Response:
h=9 m=25
